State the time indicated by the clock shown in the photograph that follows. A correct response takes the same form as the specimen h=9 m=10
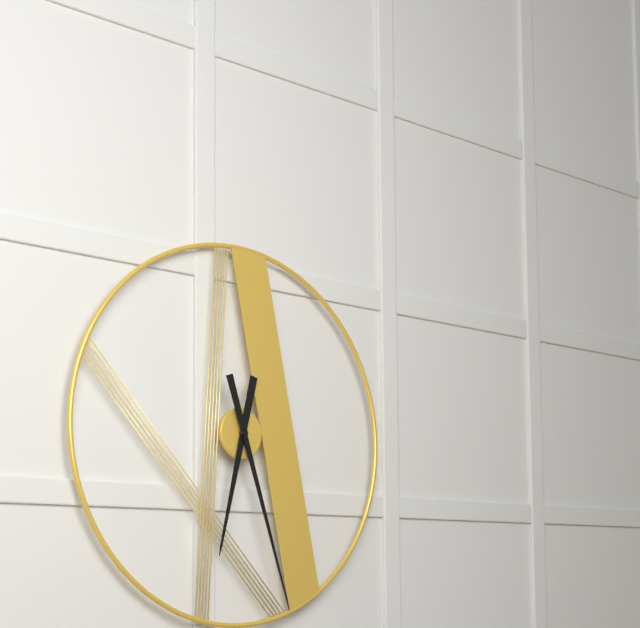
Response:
h=6 m=27
